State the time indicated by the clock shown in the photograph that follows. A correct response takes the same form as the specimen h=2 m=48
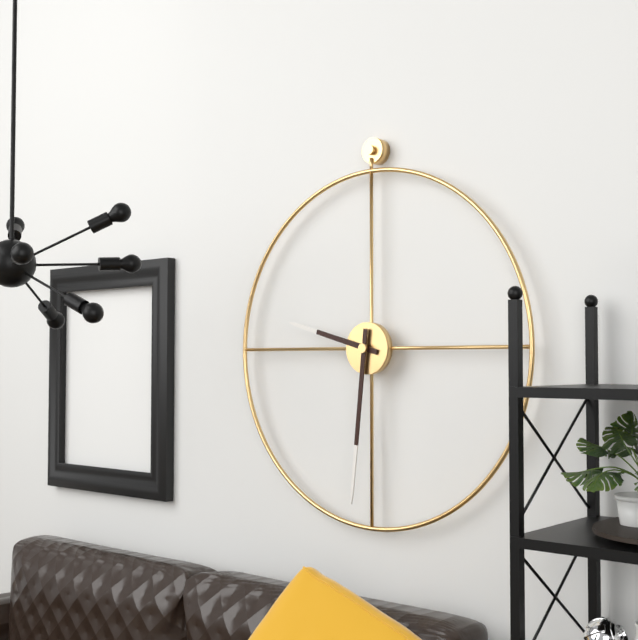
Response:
h=9 m=31
